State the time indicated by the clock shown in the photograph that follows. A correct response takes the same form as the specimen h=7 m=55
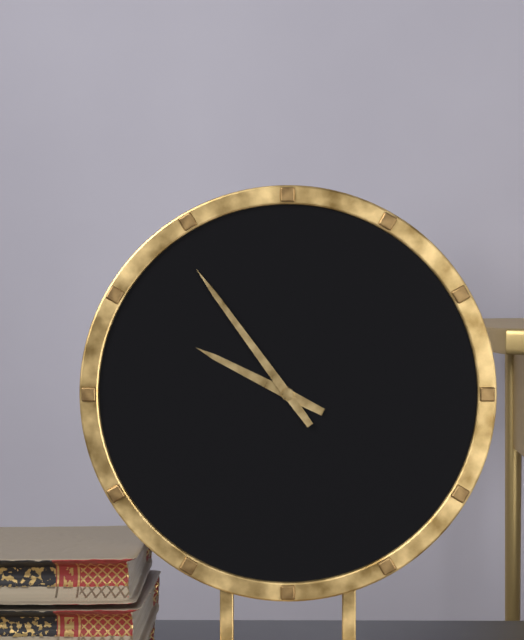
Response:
h=9 m=54
